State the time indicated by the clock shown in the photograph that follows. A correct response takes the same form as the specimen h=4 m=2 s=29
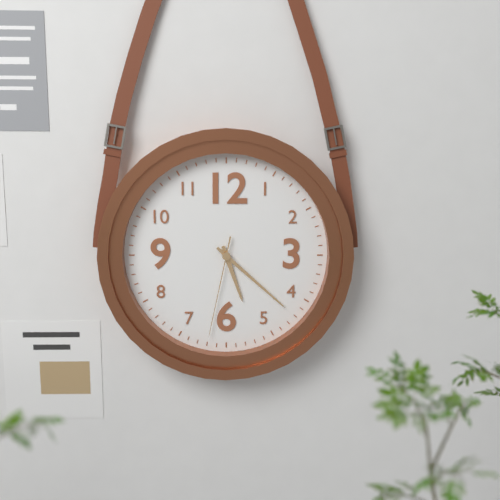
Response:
h=5 m=22 s=32
